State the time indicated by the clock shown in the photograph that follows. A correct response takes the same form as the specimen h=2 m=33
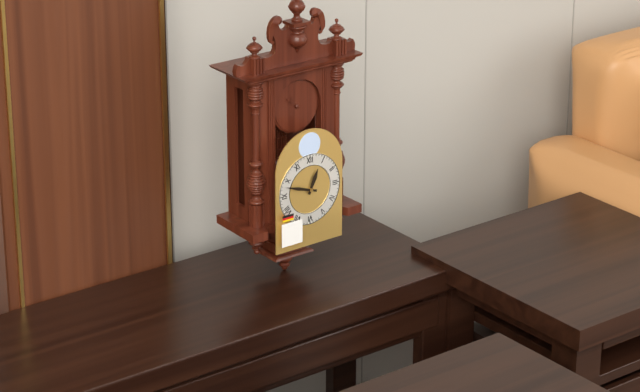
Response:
h=12 m=48
